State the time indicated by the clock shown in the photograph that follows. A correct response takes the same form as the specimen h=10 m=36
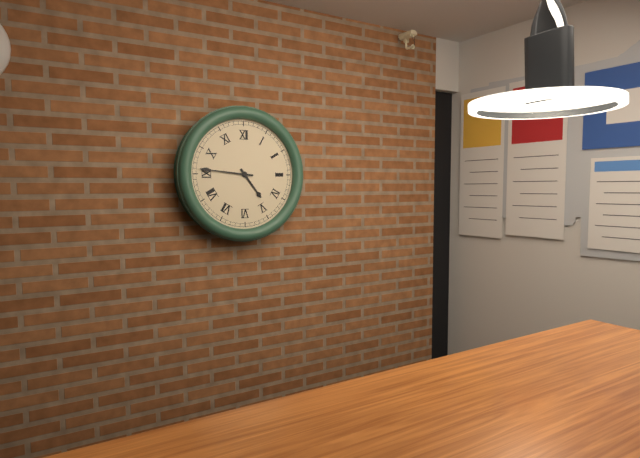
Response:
h=4 m=46
